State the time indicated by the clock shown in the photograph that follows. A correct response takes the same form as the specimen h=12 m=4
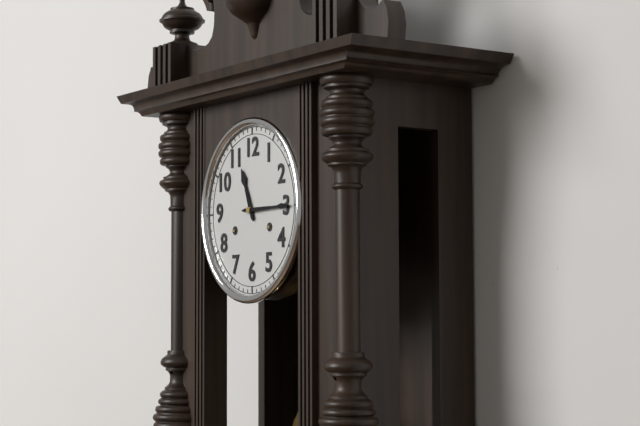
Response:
h=11 m=15
